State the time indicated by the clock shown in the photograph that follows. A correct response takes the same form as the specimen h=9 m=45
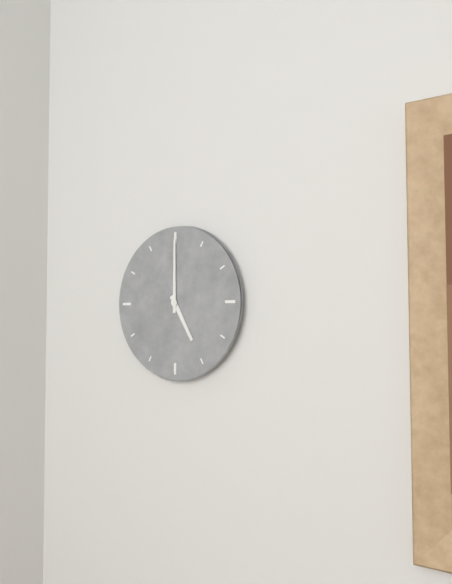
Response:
h=5 m=0
